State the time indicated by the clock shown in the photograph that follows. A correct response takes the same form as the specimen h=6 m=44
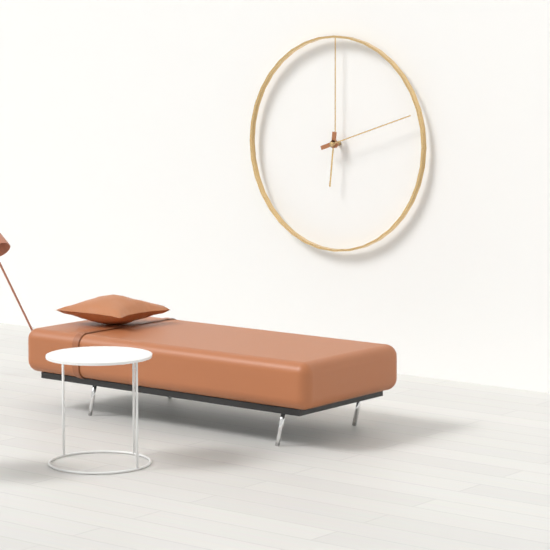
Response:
h=6 m=12
